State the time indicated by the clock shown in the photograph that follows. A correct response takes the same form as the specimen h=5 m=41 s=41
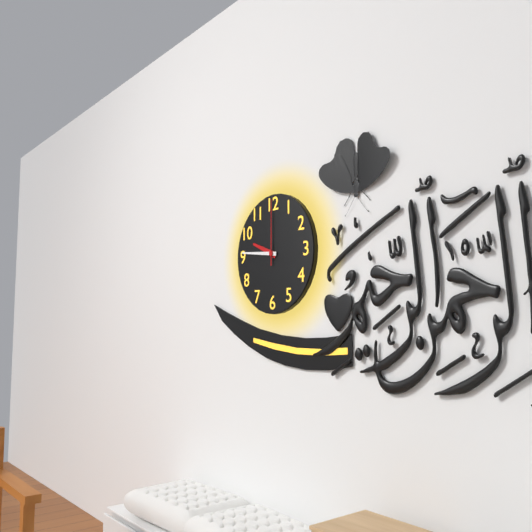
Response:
h=9 m=46 s=0
